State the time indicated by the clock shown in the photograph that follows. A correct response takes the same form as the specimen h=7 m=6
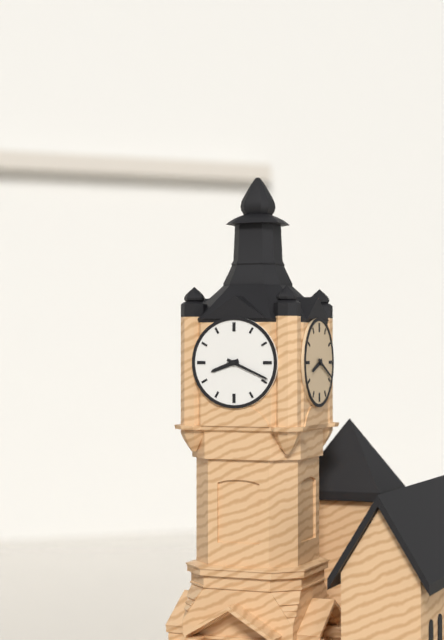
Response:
h=8 m=19
